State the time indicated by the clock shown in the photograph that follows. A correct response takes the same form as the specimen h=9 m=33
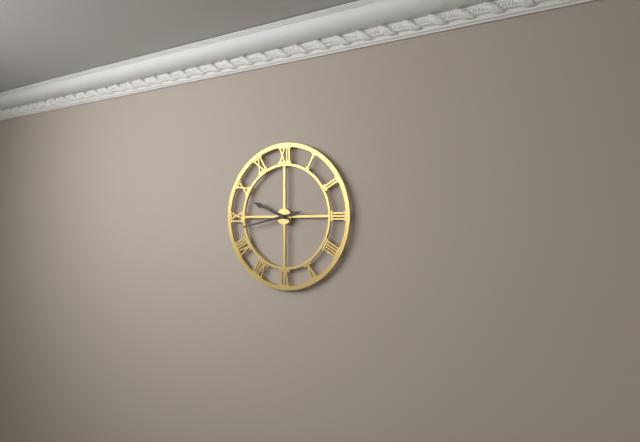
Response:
h=9 m=43
